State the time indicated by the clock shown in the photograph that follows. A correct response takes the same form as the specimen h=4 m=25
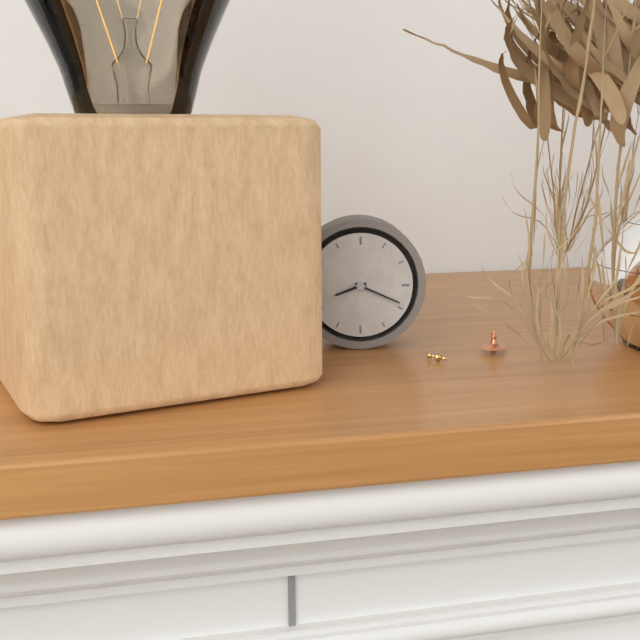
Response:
h=8 m=19
